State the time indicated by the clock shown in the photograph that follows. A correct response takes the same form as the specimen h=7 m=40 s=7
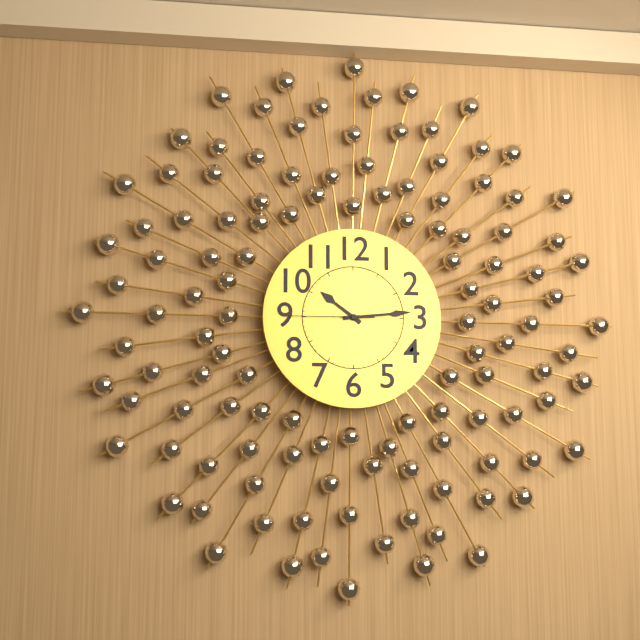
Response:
h=10 m=14 s=45
